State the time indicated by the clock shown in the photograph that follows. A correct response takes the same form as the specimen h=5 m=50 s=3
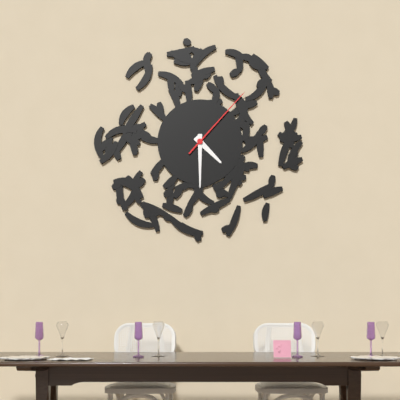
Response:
h=4 m=30 s=7
